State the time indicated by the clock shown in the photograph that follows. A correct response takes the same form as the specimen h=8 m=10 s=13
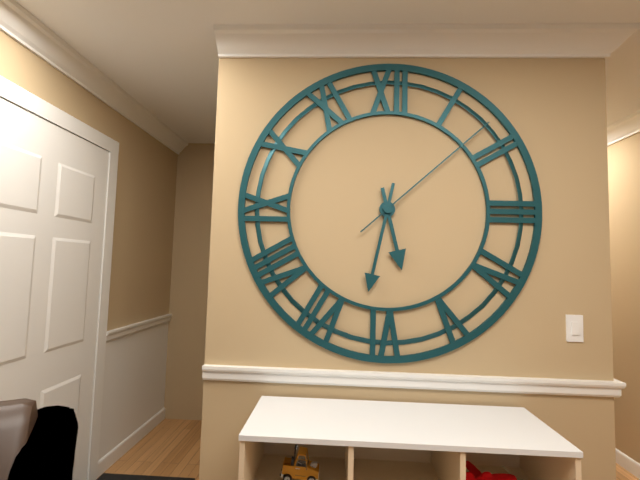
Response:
h=5 m=32 s=8
